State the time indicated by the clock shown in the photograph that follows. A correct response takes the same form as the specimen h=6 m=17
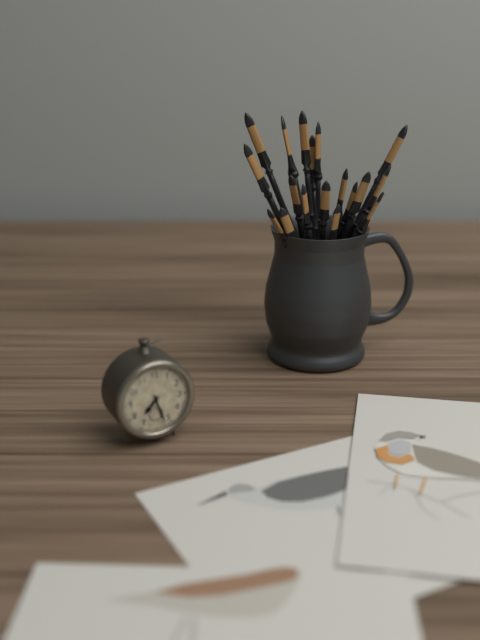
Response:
h=7 m=27
